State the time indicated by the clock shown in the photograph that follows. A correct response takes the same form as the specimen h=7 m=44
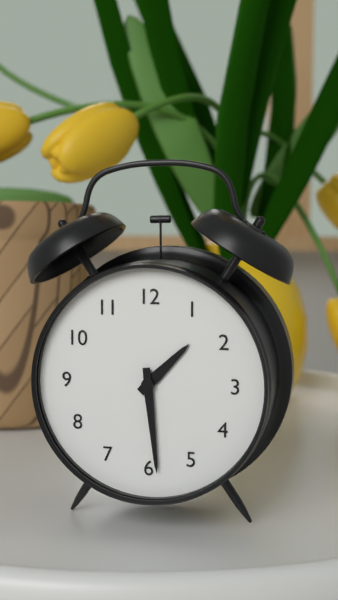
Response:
h=1 m=29
